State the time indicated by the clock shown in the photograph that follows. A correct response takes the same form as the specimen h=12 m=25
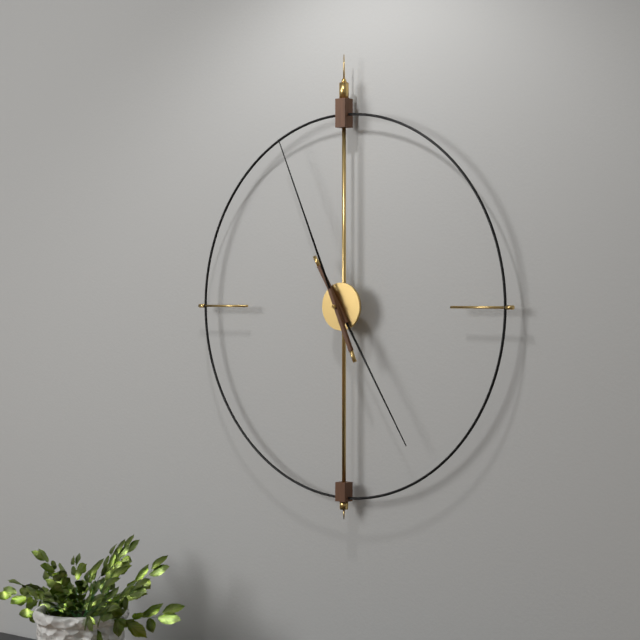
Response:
h=4 m=56
